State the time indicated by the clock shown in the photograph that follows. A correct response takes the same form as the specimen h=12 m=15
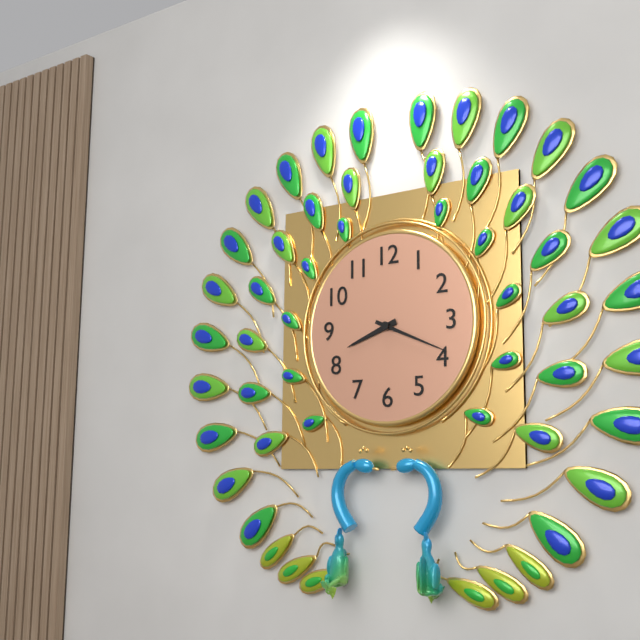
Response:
h=8 m=19
